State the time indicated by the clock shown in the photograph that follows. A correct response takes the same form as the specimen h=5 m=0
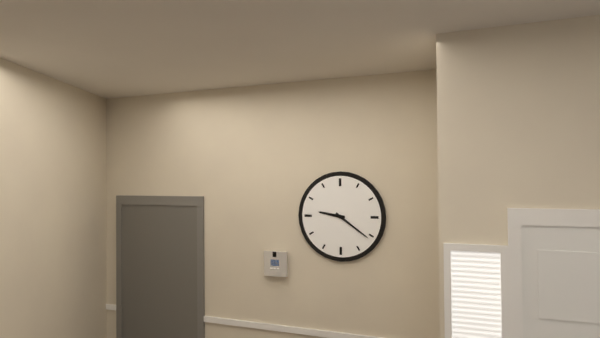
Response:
h=9 m=21
